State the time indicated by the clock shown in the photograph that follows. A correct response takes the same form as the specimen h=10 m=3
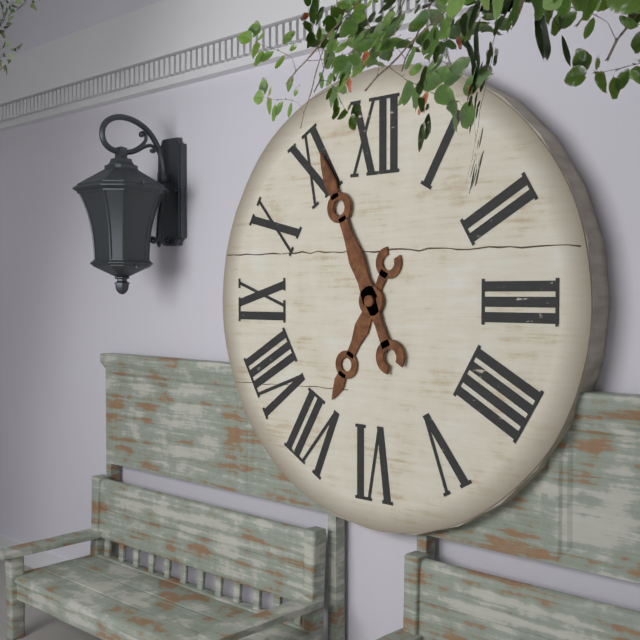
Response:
h=6 m=56
